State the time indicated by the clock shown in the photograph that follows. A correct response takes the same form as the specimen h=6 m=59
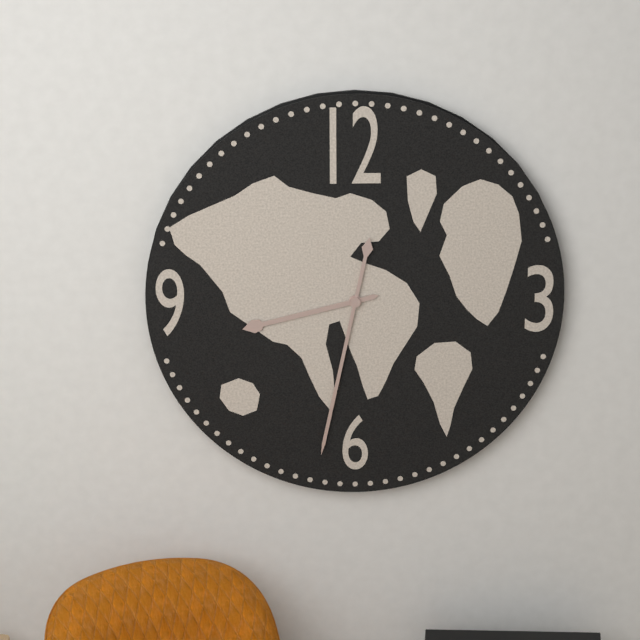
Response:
h=8 m=32
